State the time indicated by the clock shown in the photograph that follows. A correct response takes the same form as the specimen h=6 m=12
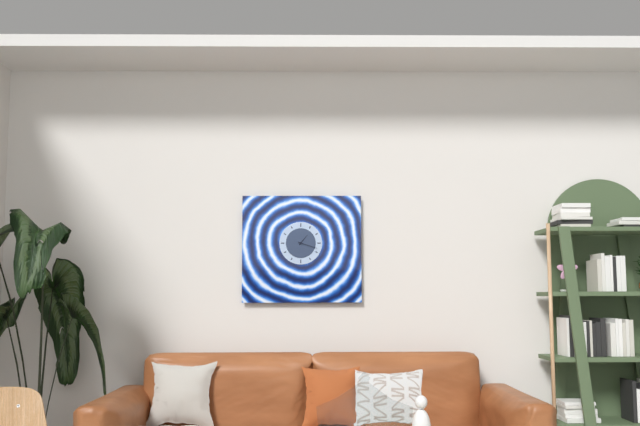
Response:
h=1 m=18
